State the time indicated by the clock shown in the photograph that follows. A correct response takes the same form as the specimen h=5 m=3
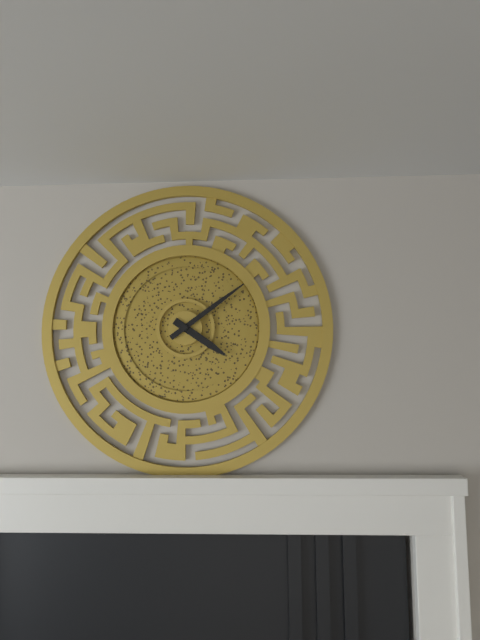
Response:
h=4 m=9
